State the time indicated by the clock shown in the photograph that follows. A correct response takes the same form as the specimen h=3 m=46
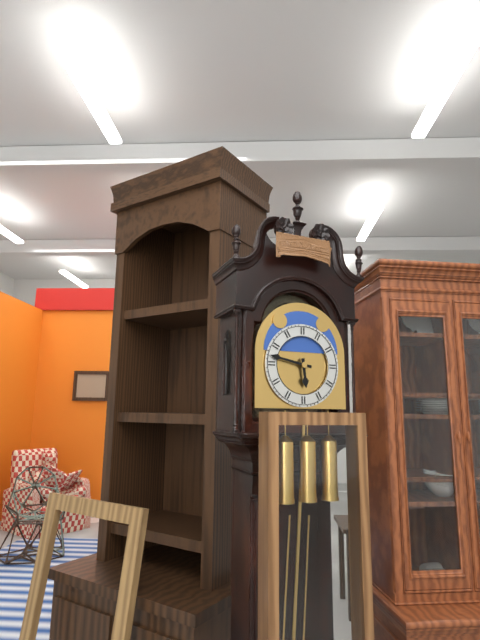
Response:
h=5 m=47
